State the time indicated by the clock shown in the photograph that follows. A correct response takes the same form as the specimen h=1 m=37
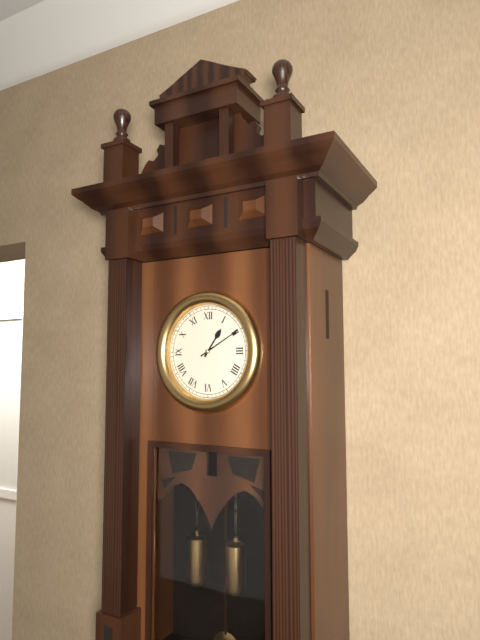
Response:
h=1 m=10
